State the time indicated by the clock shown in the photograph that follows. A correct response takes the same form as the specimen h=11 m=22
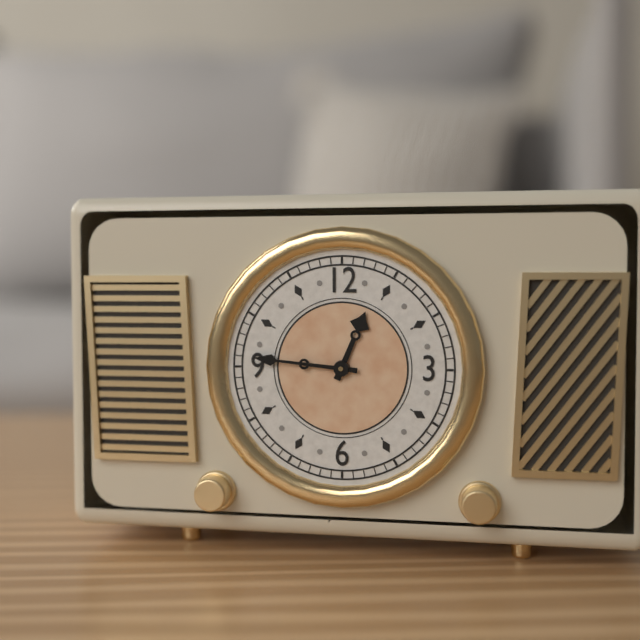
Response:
h=12 m=46
